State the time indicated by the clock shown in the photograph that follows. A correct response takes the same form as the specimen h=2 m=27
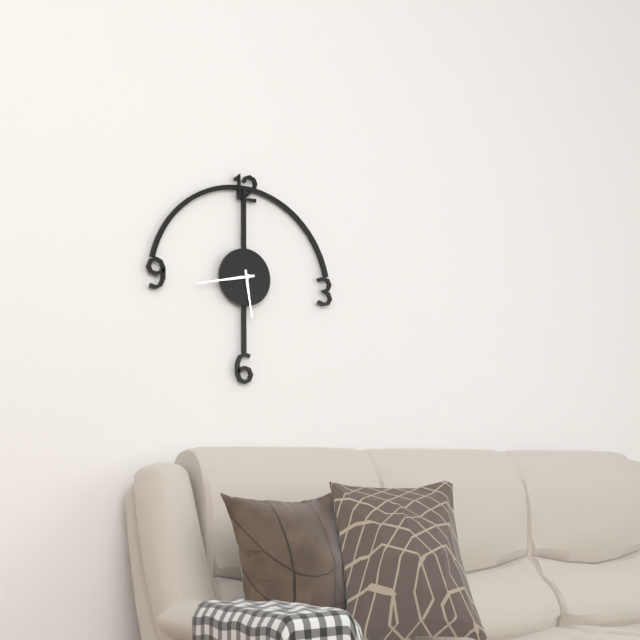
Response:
h=5 m=43
